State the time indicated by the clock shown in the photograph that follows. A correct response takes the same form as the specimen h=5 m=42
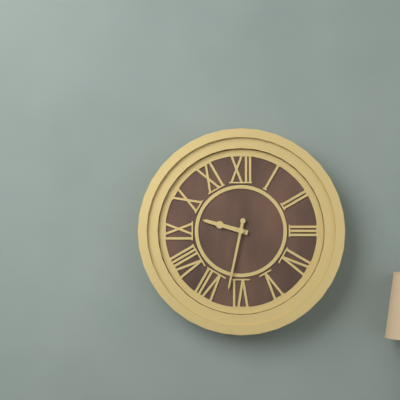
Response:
h=9 m=32
